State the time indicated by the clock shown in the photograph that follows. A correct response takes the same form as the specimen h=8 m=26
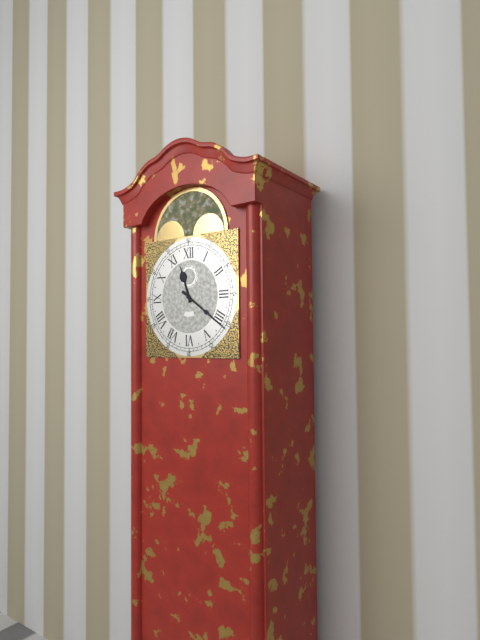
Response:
h=11 m=21
